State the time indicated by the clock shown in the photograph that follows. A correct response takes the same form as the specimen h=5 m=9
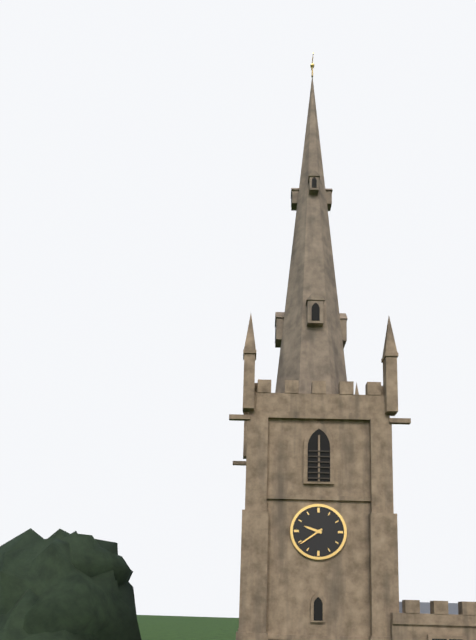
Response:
h=9 m=39
